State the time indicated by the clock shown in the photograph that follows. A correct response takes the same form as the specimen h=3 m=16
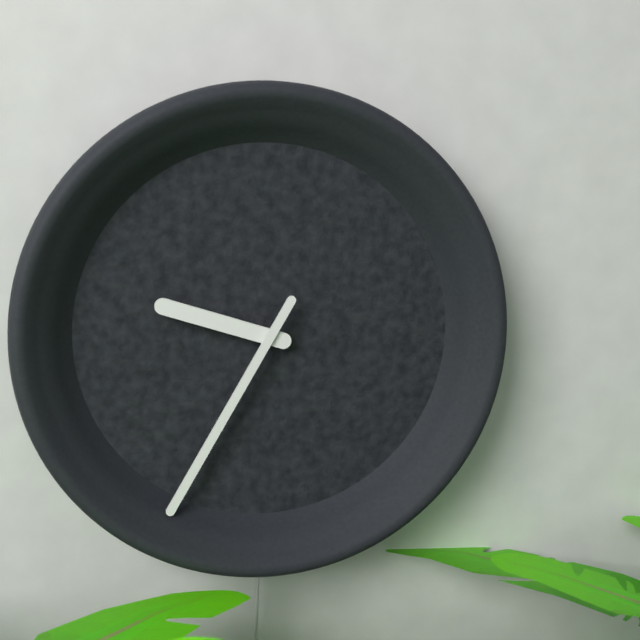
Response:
h=9 m=35
